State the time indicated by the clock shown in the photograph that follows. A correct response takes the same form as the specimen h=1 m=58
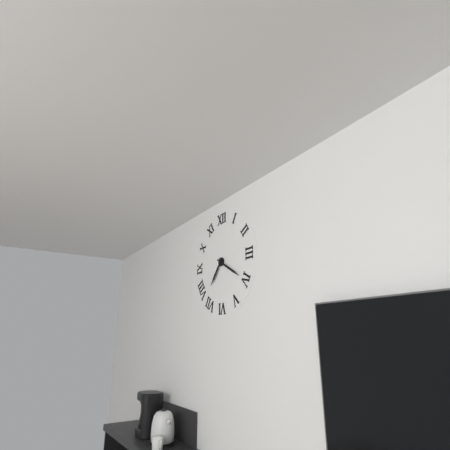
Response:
h=7 m=20
